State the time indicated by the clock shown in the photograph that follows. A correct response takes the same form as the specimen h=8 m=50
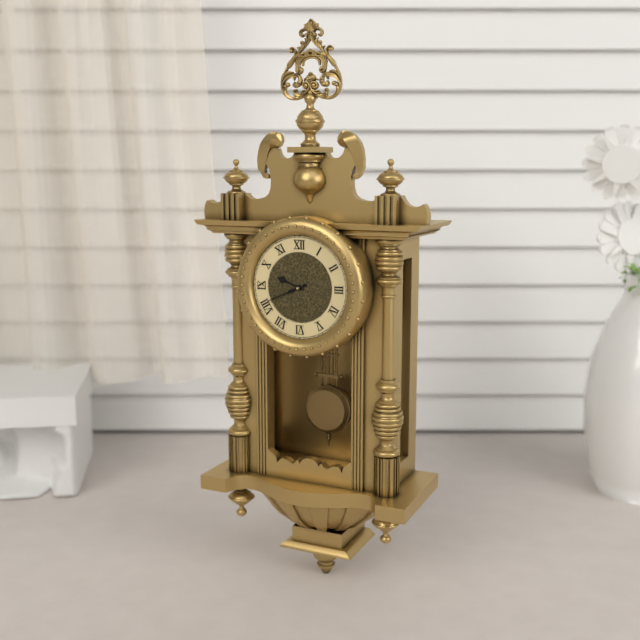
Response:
h=9 m=41
